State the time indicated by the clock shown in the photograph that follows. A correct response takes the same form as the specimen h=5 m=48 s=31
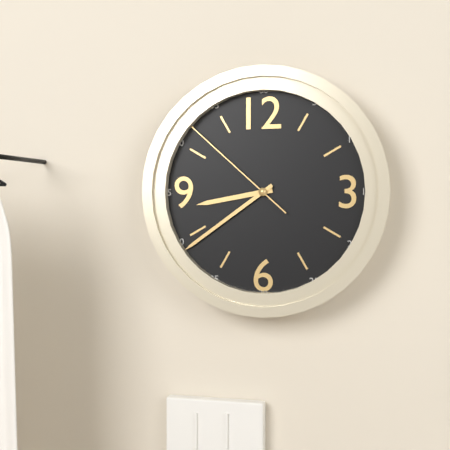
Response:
h=8 m=39 s=52
